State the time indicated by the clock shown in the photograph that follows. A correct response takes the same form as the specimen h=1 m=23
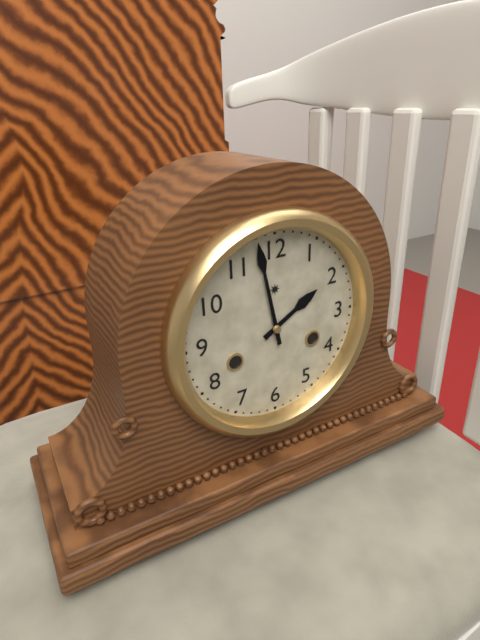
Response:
h=1 m=58
